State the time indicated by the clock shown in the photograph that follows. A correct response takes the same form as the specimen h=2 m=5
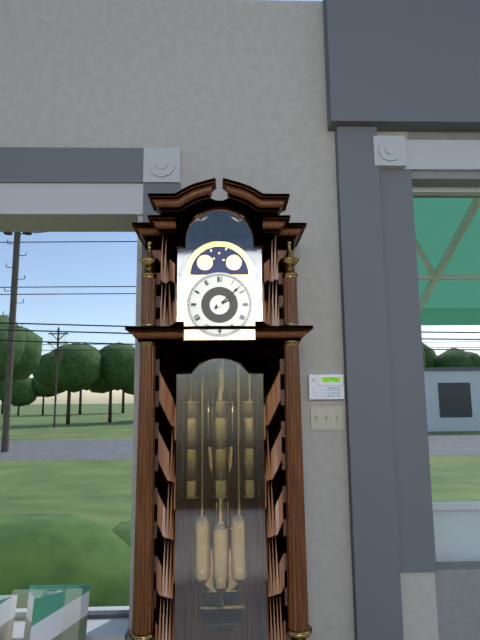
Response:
h=2 m=8
